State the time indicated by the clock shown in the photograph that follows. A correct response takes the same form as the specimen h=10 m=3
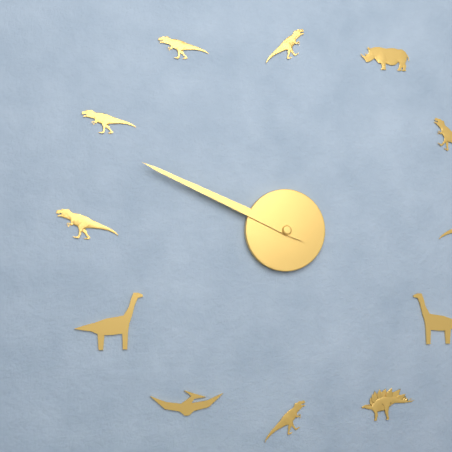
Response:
h=9 m=49
